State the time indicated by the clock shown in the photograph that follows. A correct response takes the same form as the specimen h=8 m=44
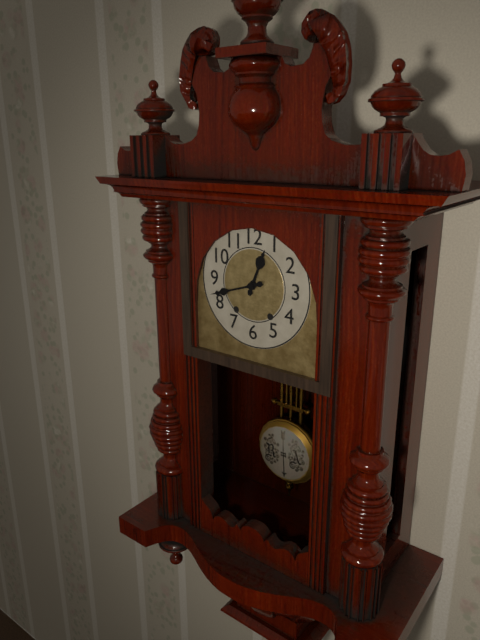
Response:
h=12 m=42
